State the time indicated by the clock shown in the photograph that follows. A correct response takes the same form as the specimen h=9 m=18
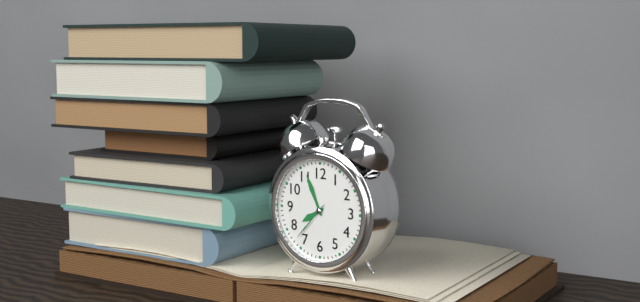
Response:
h=7 m=56
